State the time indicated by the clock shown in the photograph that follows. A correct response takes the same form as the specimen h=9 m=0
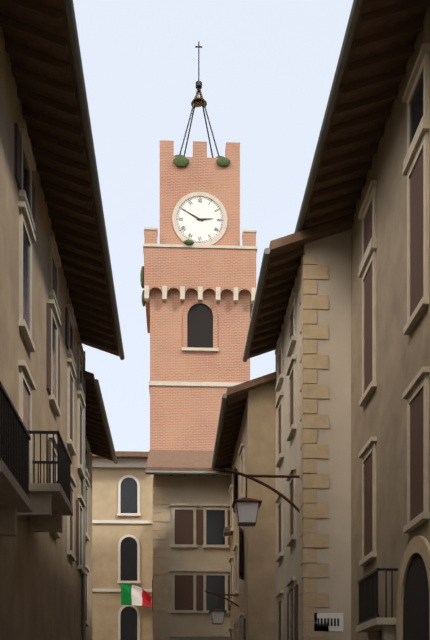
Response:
h=2 m=50
